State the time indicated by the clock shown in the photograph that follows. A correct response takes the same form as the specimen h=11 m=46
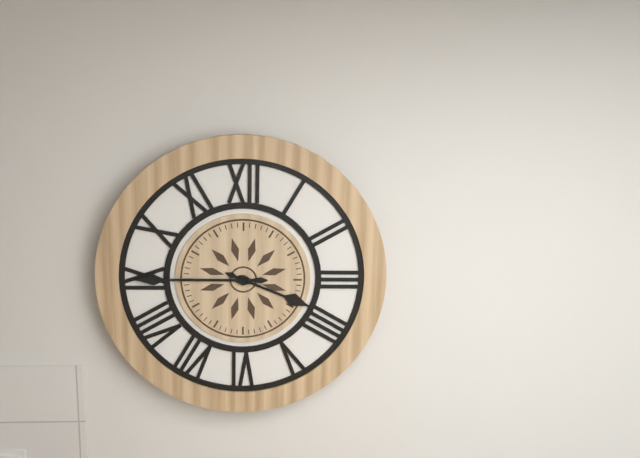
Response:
h=3 m=45
